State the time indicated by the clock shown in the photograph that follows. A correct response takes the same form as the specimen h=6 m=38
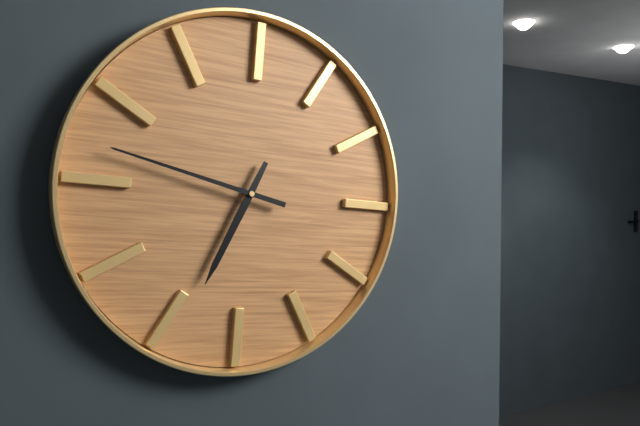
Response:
h=6 m=47
